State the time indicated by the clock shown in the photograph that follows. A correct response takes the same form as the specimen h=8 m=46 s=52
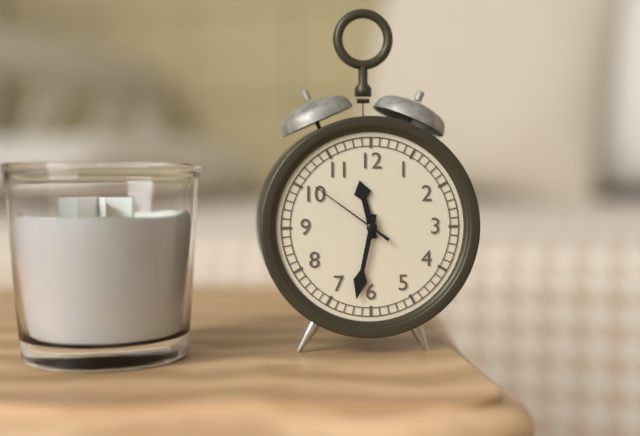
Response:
h=11 m=32 s=51
